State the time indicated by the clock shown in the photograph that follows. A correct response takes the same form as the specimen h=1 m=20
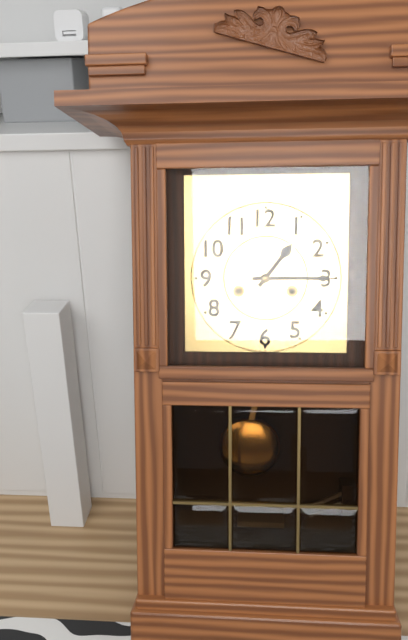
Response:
h=1 m=15
